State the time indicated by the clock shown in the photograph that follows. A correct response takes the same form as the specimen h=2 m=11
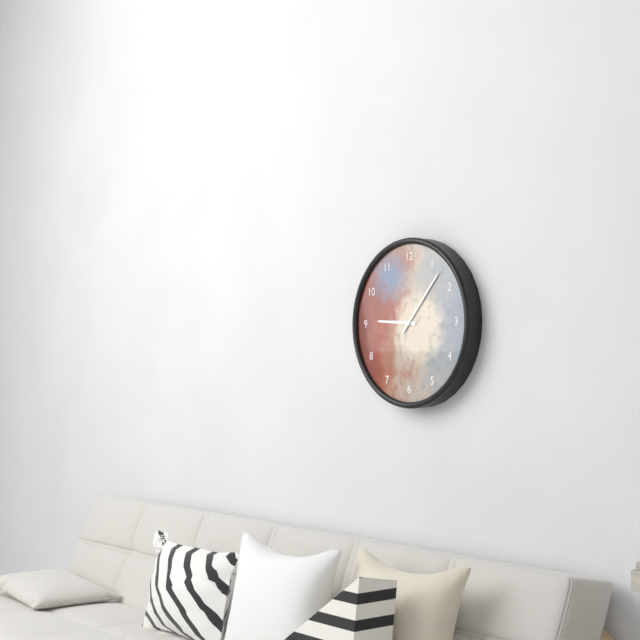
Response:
h=9 m=7
